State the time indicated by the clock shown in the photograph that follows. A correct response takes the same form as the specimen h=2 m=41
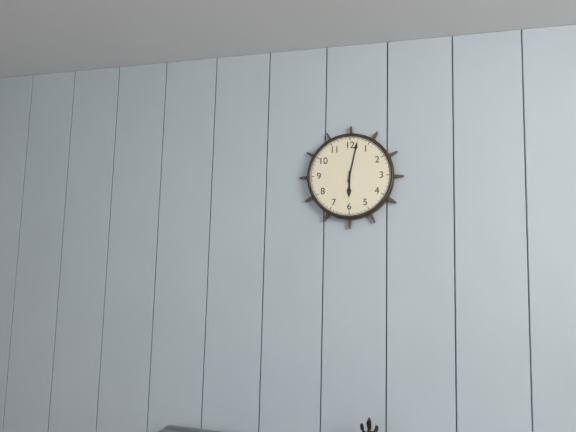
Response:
h=6 m=2
